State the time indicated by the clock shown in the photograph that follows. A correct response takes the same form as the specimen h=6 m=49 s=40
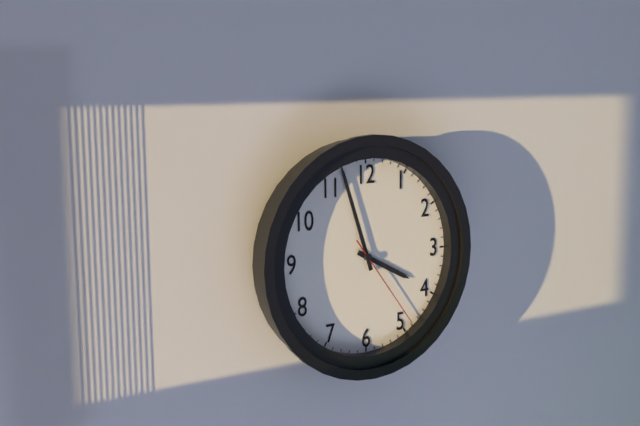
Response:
h=3 m=57 s=24
